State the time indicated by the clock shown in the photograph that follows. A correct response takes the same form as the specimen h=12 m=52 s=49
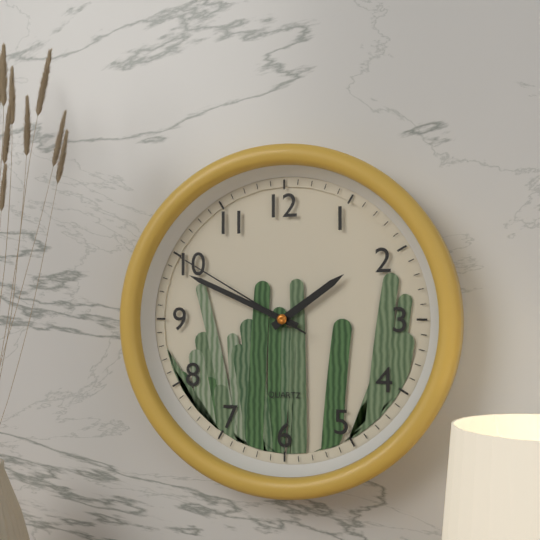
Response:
h=1 m=49 s=50
